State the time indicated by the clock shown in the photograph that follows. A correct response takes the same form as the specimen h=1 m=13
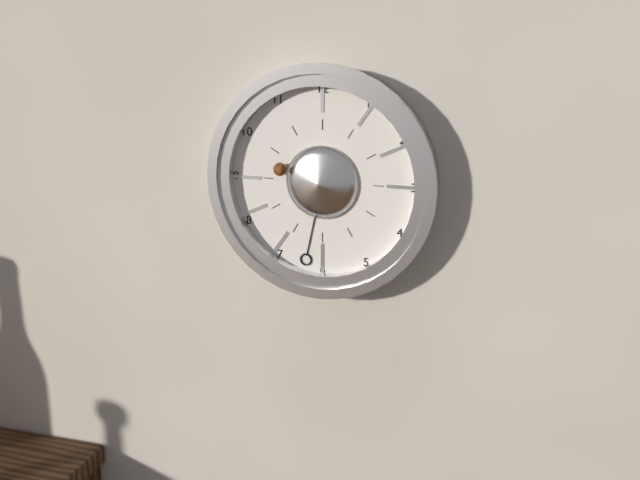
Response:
h=9 m=32
